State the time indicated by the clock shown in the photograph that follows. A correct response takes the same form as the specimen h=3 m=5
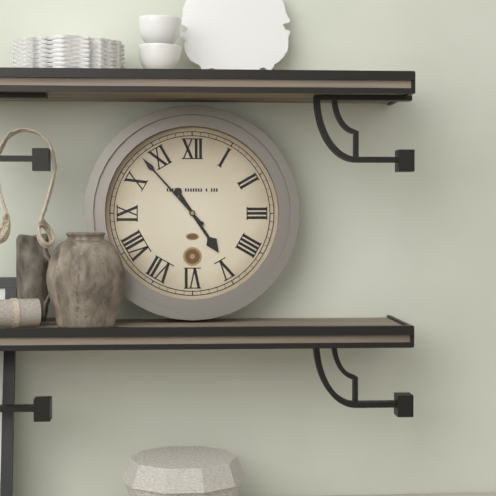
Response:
h=4 m=53
